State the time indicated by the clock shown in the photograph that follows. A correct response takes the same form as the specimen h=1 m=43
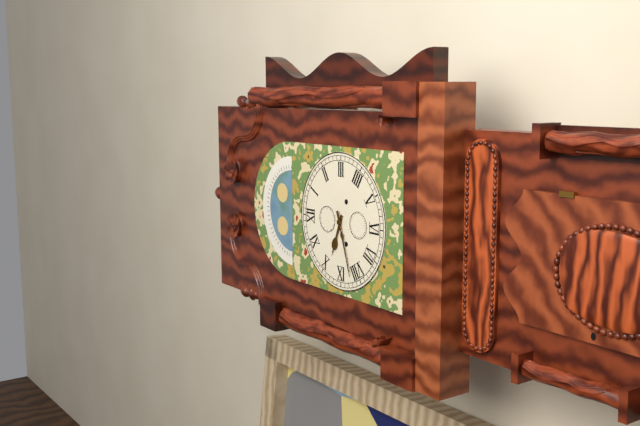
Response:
h=9 m=42
